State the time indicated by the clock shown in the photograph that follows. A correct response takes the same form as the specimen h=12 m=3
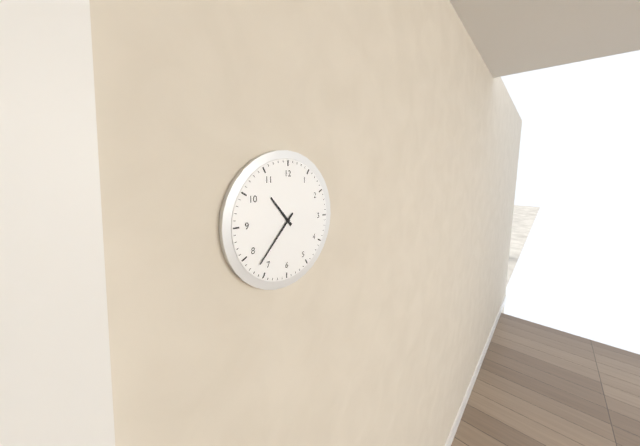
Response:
h=10 m=37
